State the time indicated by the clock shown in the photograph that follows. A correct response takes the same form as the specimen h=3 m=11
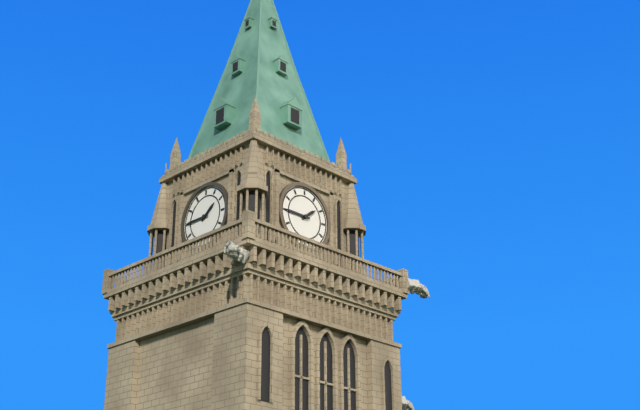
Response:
h=1 m=45
